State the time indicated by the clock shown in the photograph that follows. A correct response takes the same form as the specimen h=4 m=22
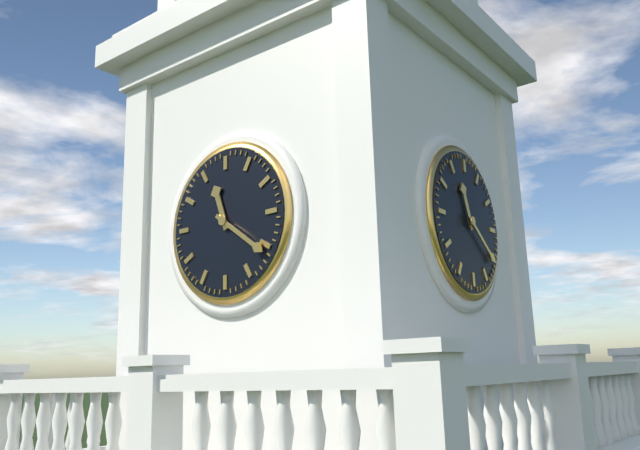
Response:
h=11 m=21
